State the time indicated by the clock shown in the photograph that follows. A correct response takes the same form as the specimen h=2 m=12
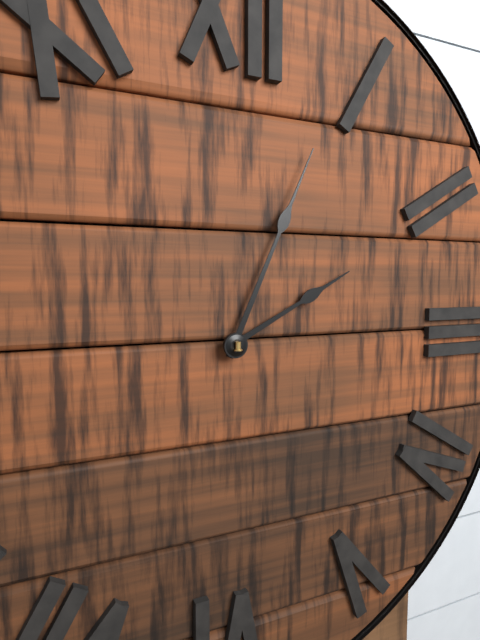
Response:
h=2 m=4
